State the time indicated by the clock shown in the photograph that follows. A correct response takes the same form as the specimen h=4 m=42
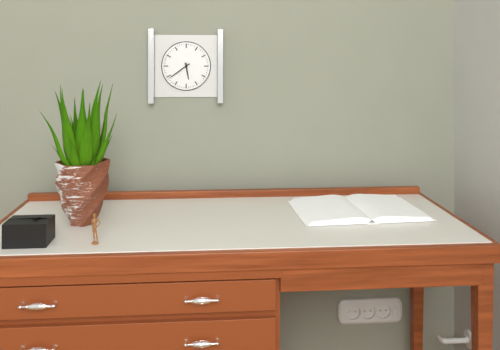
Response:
h=5 m=39
